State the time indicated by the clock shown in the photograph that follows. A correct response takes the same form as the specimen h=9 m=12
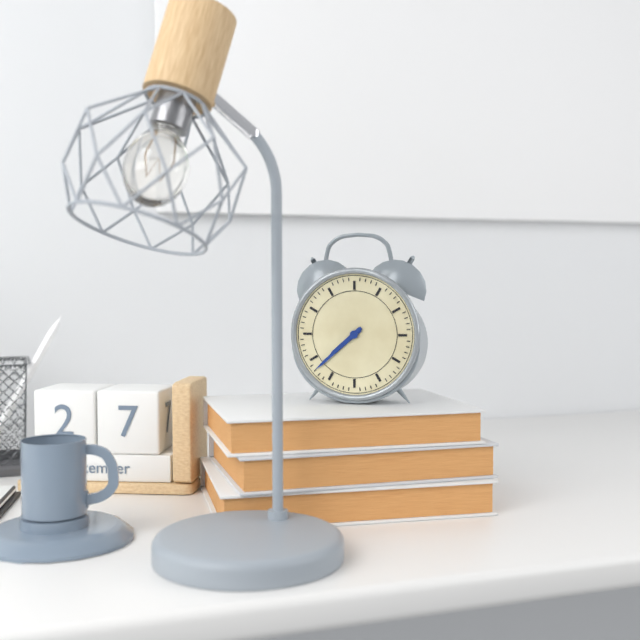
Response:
h=7 m=38
